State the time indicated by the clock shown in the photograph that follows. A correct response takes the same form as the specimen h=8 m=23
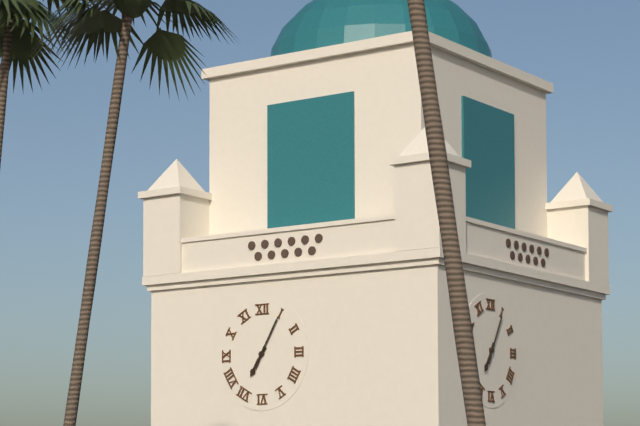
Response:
h=7 m=5
